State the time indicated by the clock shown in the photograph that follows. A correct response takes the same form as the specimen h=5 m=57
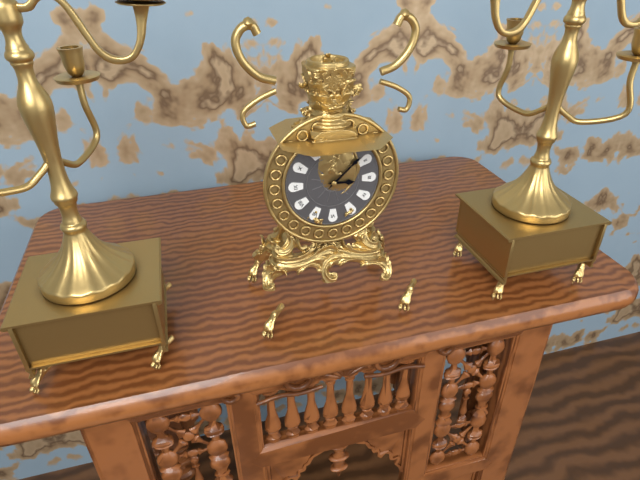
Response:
h=3 m=8
